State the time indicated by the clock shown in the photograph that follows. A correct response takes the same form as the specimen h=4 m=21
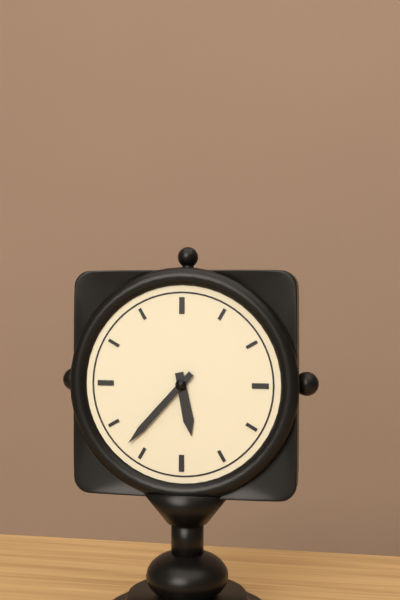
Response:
h=5 m=37
